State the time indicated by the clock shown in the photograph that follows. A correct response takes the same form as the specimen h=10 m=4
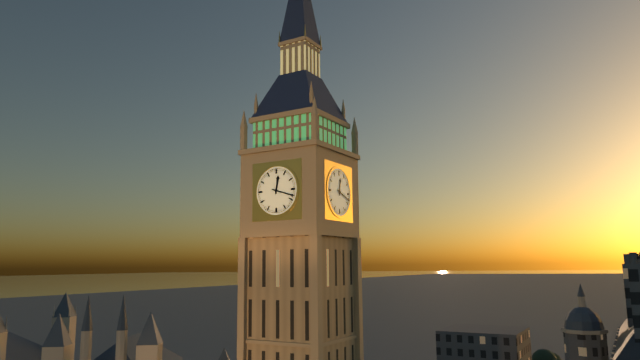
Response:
h=12 m=18
